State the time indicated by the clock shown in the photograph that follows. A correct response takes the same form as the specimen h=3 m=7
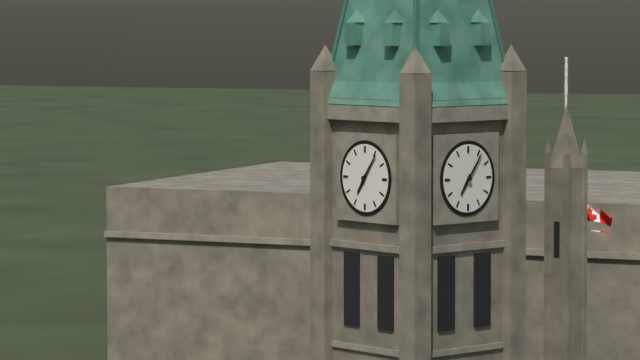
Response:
h=7 m=6
